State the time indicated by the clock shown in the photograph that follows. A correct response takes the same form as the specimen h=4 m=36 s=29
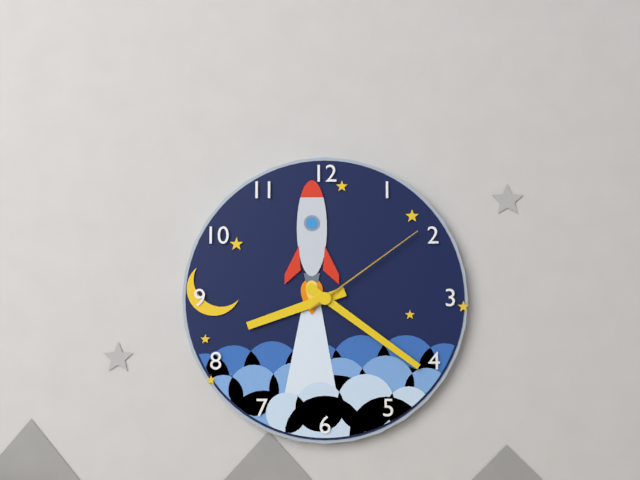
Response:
h=8 m=21 s=9
